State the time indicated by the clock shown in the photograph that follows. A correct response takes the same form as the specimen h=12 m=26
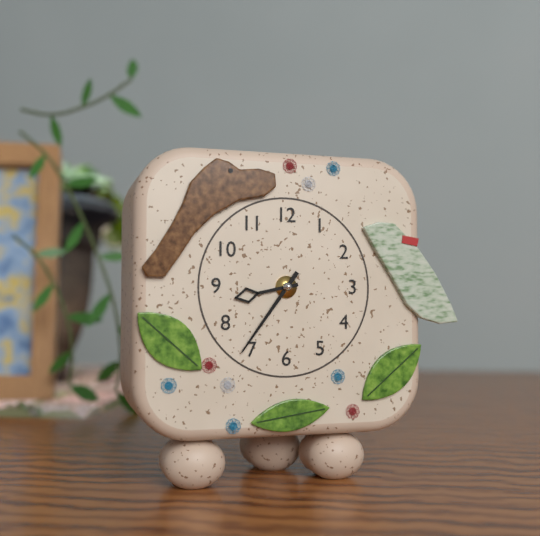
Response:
h=8 m=36
